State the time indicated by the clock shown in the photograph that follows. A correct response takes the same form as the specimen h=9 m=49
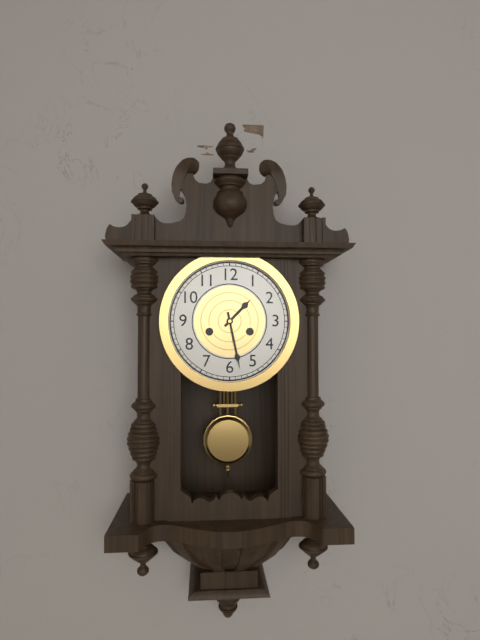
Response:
h=1 m=28
